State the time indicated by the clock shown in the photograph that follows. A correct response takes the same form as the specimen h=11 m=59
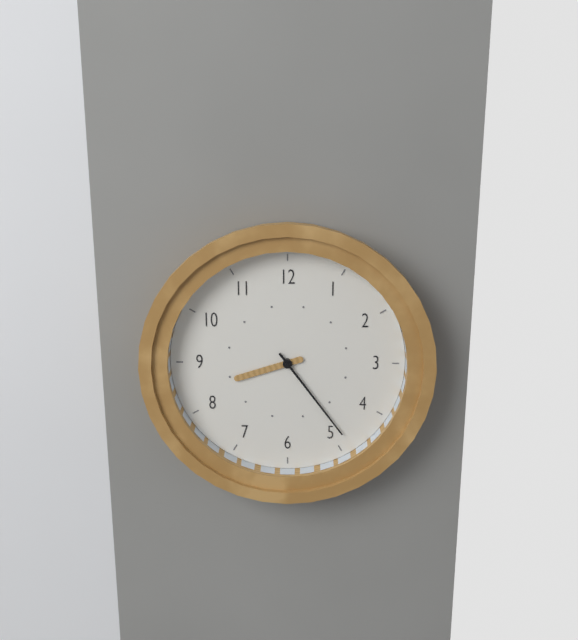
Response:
h=8 m=24
